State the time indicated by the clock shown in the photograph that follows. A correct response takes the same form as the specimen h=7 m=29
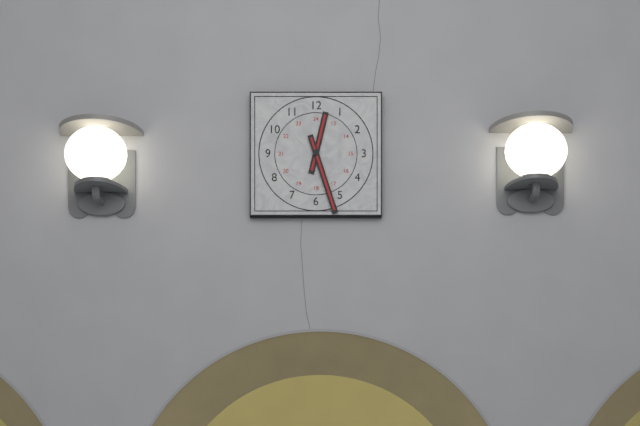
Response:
h=12 m=27
